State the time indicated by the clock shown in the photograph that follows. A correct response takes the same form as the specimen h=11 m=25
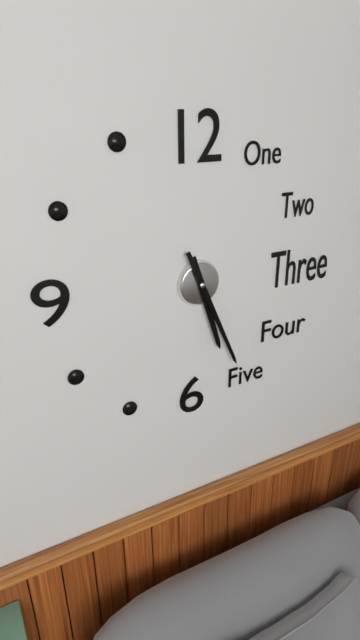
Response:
h=5 m=26
